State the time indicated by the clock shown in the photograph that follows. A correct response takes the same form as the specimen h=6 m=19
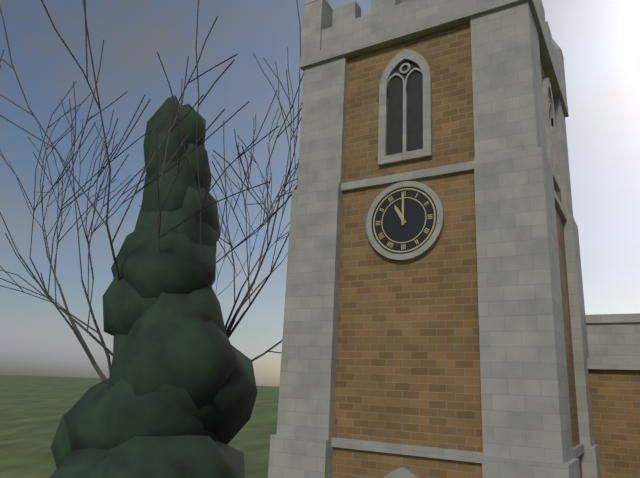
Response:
h=11 m=0
